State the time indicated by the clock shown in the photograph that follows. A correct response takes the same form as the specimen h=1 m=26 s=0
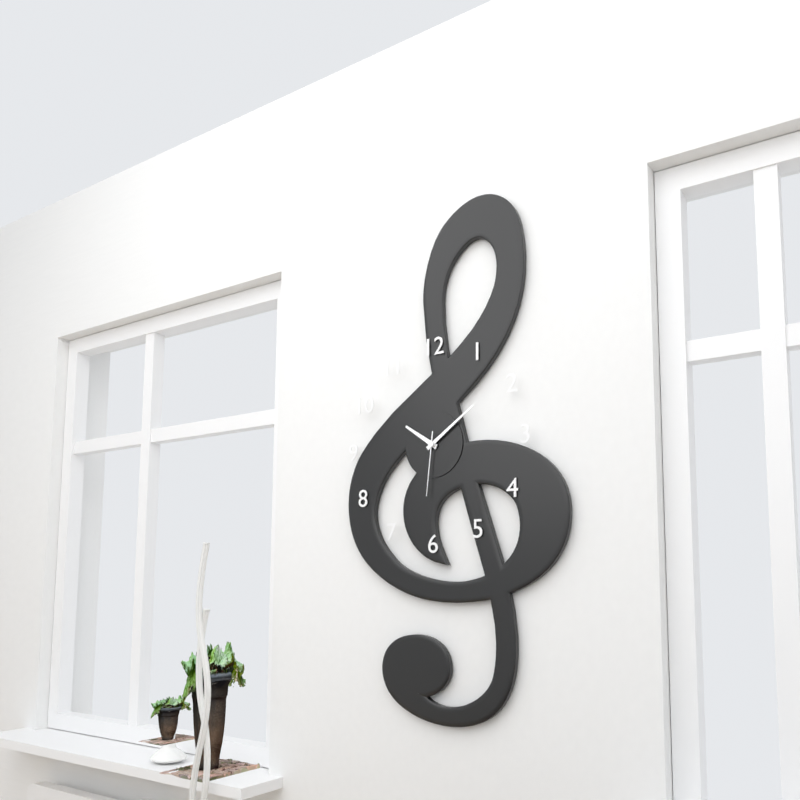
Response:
h=10 m=9 s=31
